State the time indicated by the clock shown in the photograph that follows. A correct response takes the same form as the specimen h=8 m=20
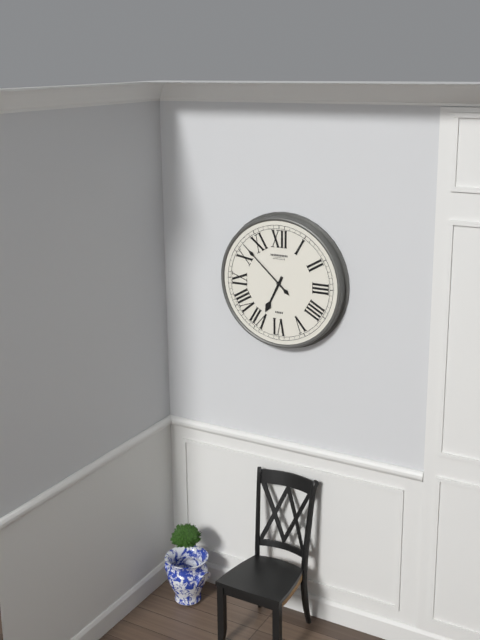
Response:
h=6 m=52
